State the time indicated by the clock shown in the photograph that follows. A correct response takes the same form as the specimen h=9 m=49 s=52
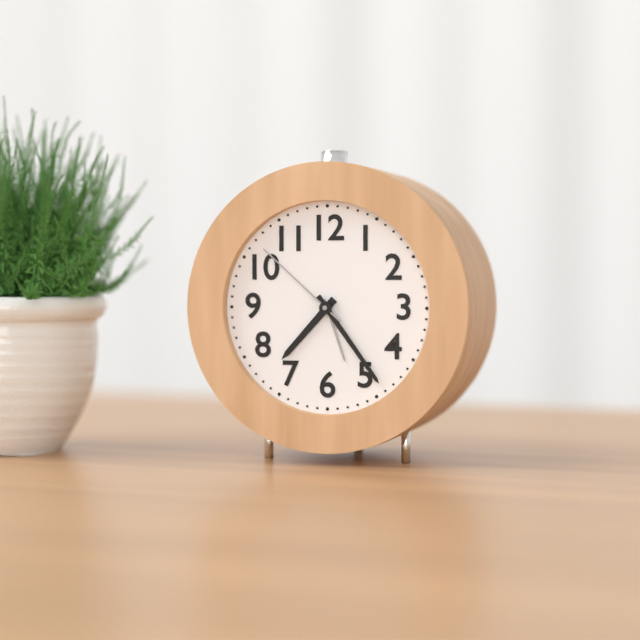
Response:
h=7 m=24 s=52
